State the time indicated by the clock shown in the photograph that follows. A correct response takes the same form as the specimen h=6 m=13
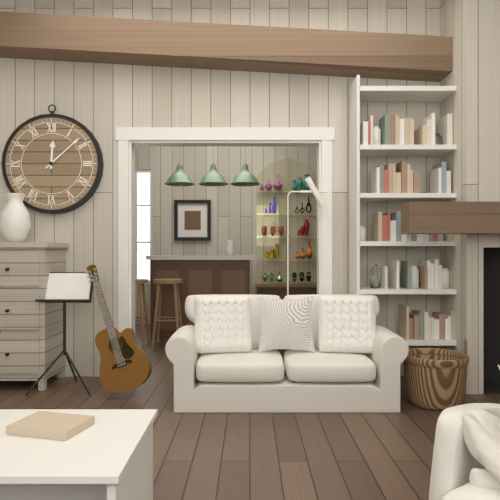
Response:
h=12 m=8
